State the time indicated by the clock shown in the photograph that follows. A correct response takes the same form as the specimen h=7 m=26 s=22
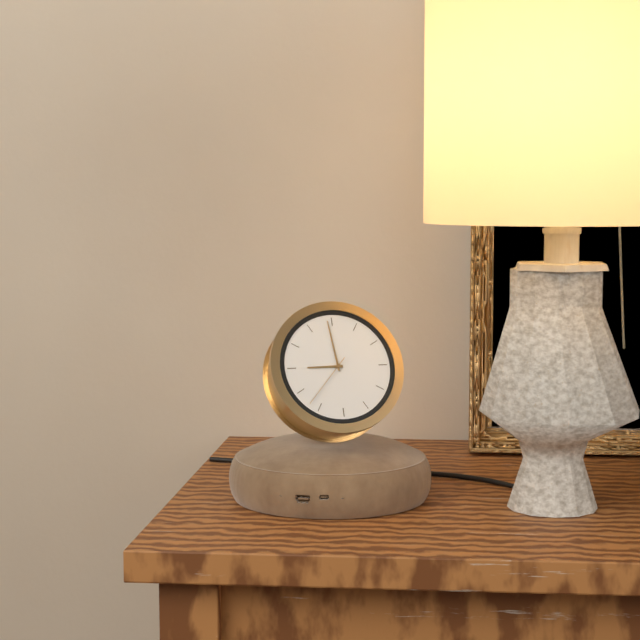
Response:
h=8 m=59 s=37
